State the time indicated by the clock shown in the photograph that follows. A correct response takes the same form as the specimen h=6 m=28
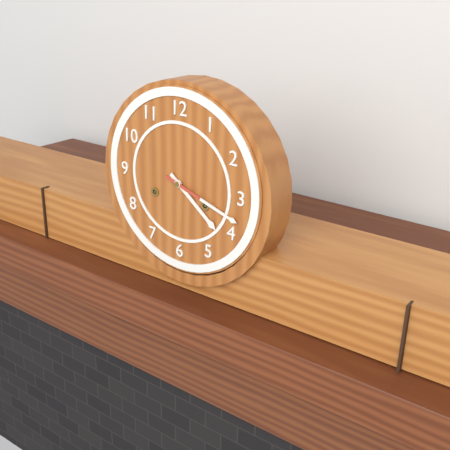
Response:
h=4 m=18
